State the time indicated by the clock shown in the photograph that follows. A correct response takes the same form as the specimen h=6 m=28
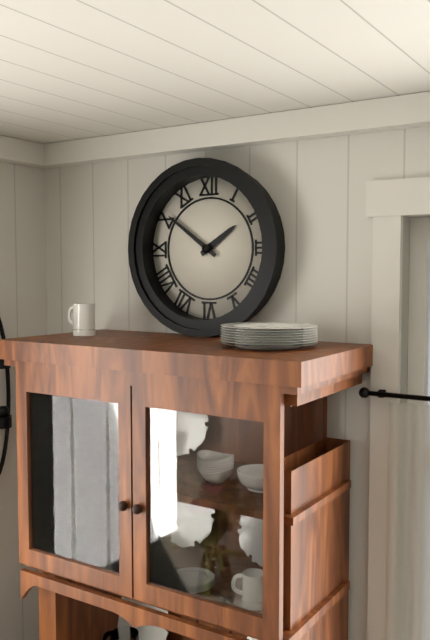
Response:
h=1 m=51
